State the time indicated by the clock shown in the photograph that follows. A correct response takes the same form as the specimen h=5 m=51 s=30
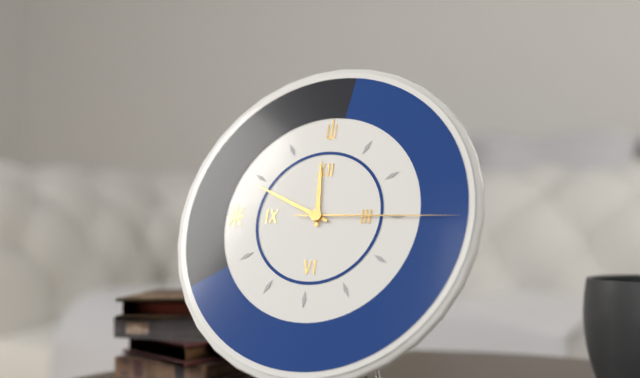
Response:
h=11 m=49 s=15
